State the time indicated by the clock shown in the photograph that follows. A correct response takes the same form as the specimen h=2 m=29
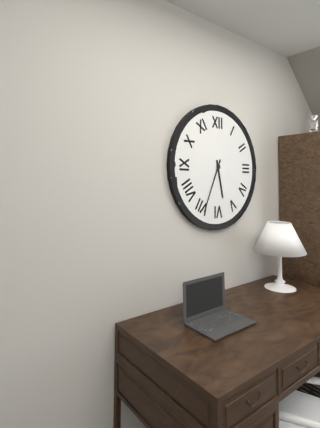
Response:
h=5 m=34
